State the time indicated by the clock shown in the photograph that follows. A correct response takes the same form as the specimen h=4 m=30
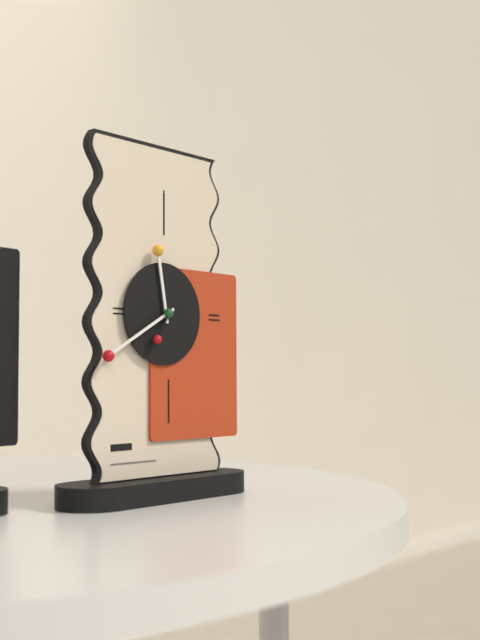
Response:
h=11 m=40
